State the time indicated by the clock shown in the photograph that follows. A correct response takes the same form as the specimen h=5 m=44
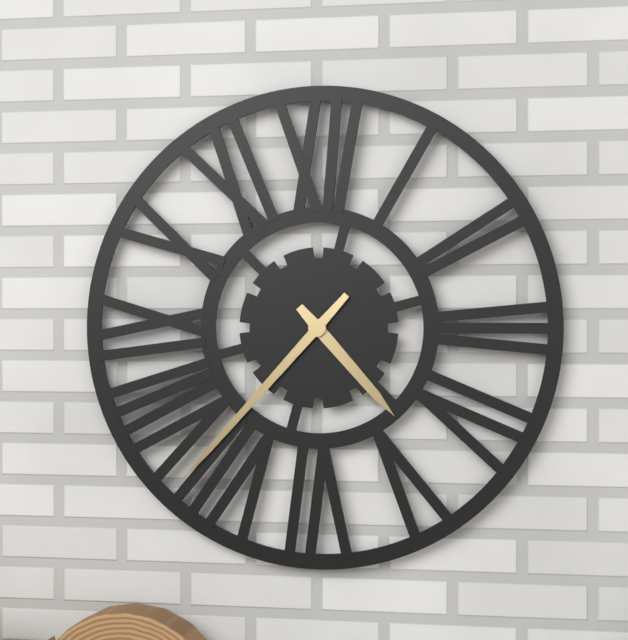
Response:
h=4 m=37
